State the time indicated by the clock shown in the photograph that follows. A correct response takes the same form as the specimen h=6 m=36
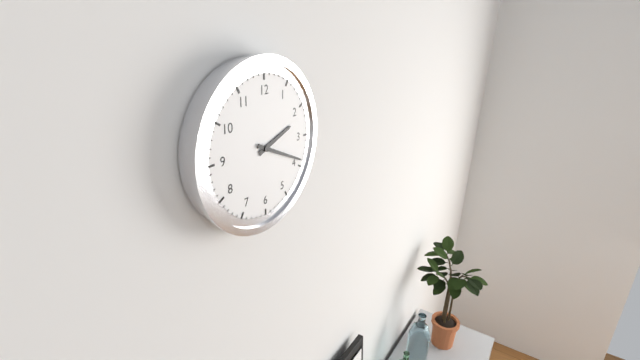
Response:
h=2 m=19
